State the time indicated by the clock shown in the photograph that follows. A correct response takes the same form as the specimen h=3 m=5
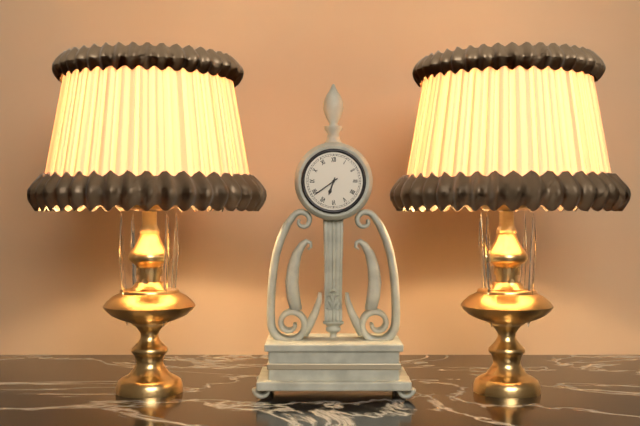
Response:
h=6 m=39
